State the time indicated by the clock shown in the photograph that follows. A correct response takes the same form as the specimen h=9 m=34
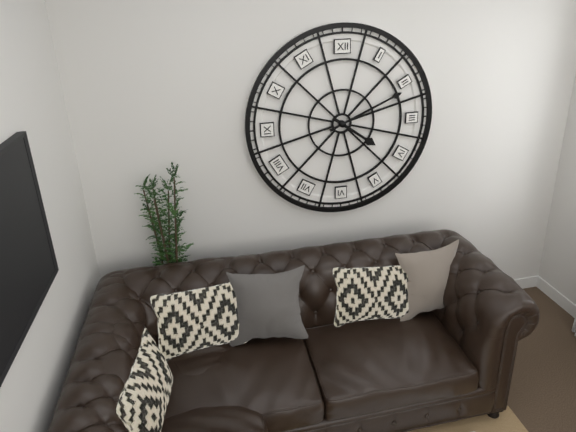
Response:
h=4 m=11
